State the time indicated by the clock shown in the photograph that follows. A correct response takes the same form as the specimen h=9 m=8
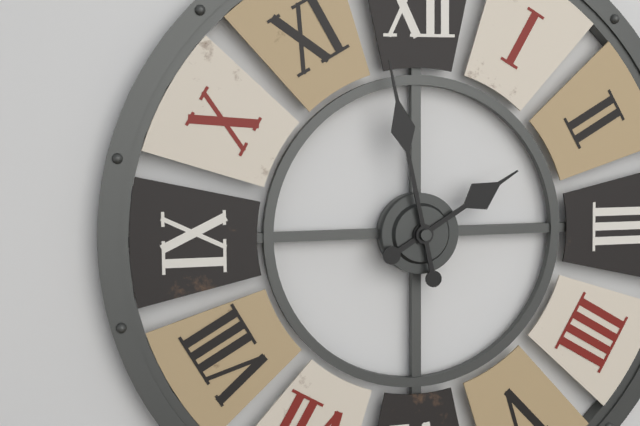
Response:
h=1 m=58
